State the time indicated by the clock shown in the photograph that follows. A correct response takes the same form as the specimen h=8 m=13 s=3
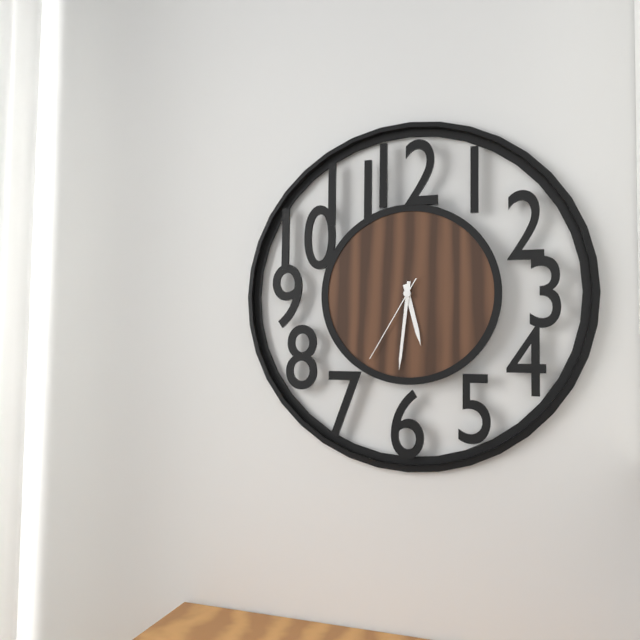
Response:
h=5 m=31 s=35
